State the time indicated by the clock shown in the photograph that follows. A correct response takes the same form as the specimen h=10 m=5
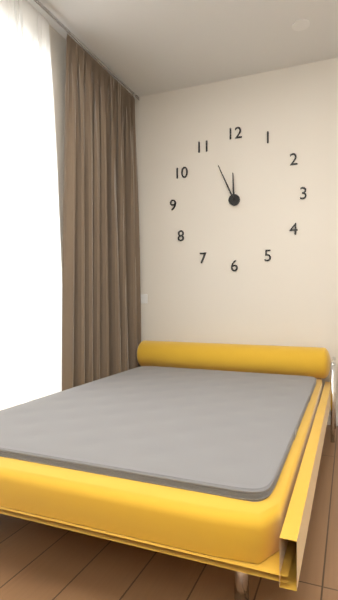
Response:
h=11 m=56
